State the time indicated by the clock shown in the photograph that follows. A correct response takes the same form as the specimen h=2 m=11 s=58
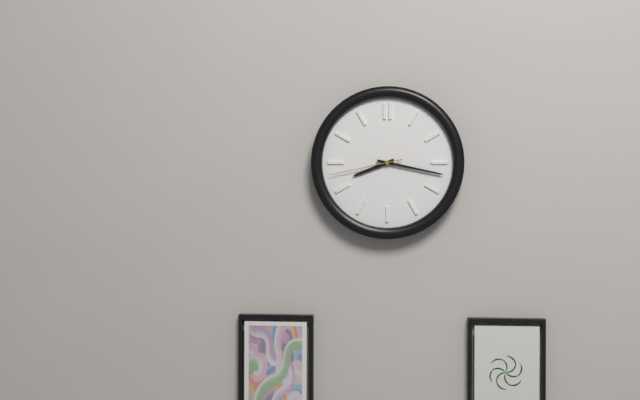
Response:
h=8 m=17 s=43
